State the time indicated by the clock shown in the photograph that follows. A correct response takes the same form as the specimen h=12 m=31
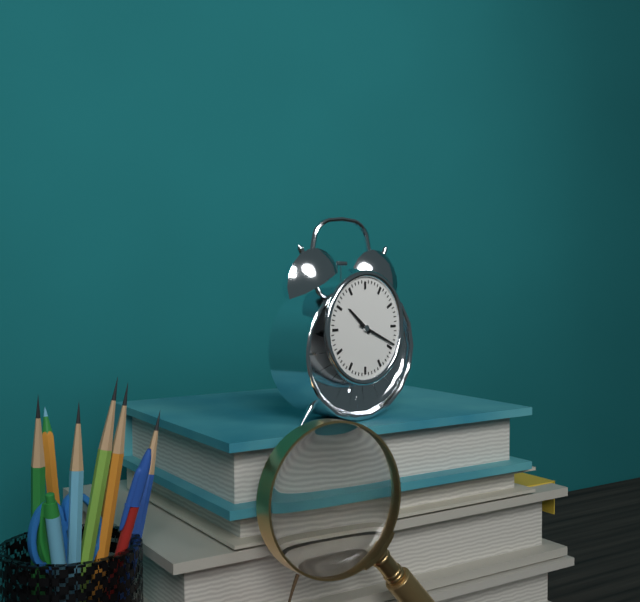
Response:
h=10 m=19
